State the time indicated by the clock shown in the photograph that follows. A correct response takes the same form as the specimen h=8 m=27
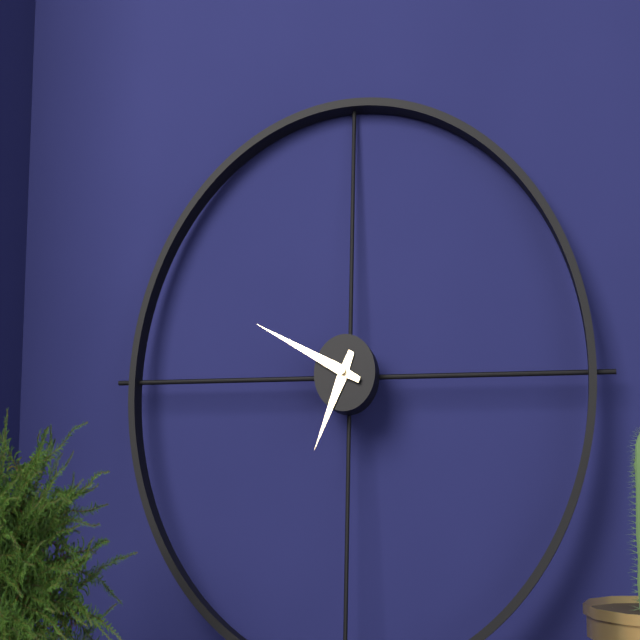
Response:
h=6 m=49
